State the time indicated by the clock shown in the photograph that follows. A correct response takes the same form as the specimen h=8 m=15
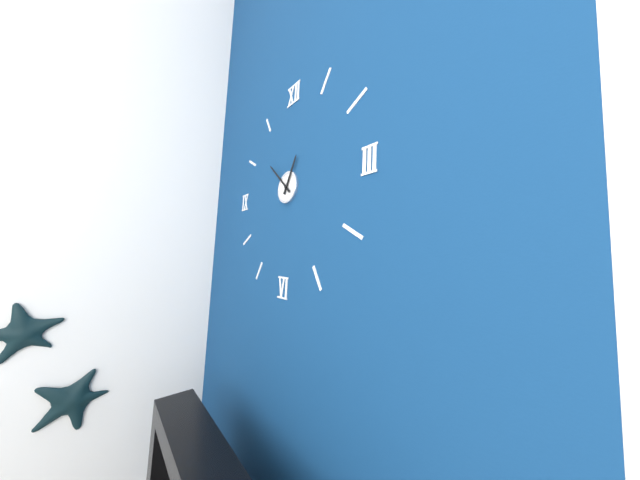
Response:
h=12 m=52
